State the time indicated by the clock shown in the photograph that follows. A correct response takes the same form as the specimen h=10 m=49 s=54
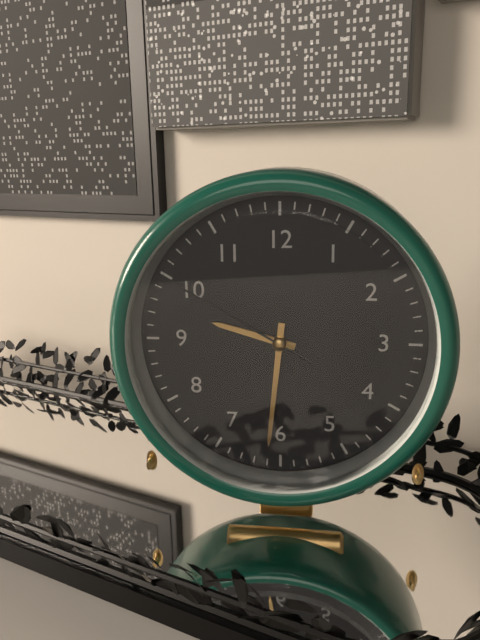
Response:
h=9 m=31 s=50
